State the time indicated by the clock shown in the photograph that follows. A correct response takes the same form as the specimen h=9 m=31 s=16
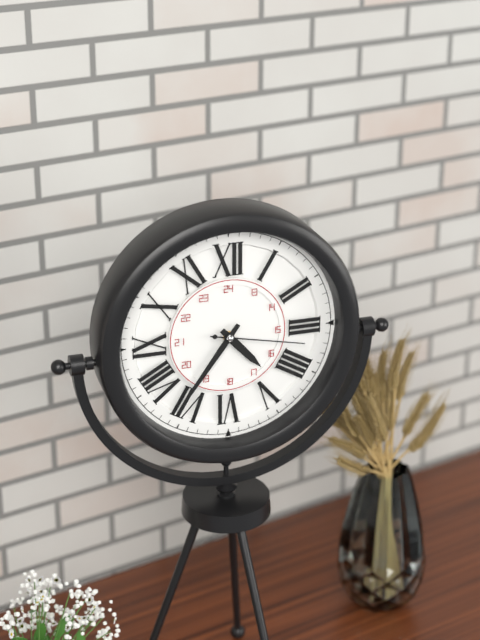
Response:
h=4 m=36 s=17
